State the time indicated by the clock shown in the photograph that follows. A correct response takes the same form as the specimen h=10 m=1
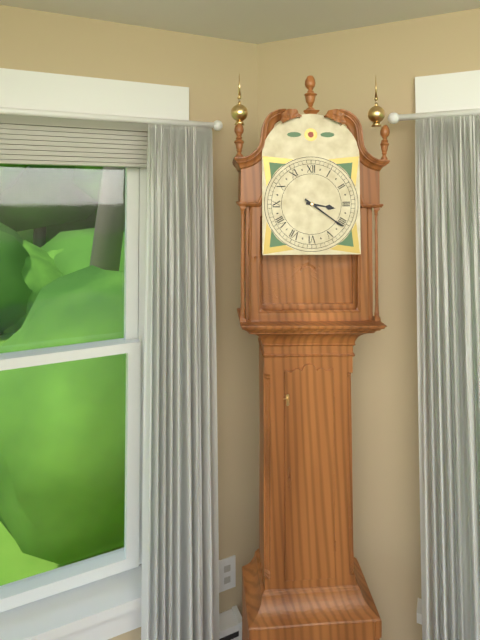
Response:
h=3 m=21
